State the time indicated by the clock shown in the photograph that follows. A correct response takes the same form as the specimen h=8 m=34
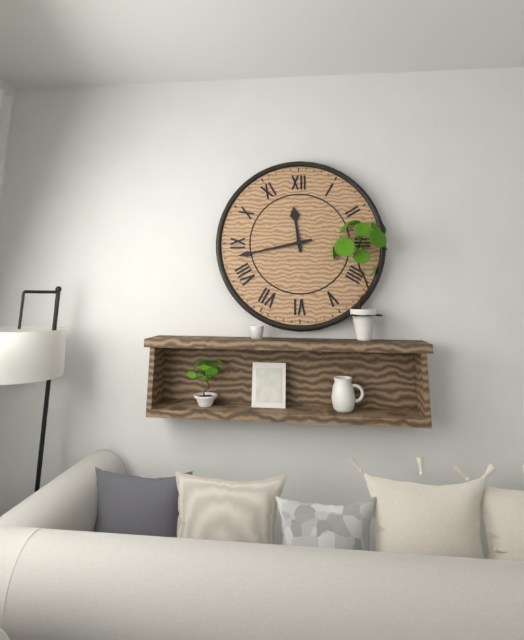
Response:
h=11 m=43
